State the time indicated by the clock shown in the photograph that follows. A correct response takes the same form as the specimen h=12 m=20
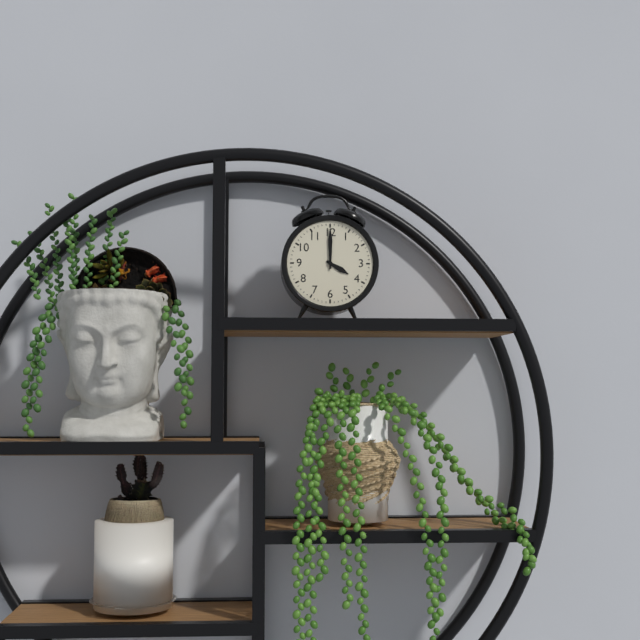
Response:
h=4 m=0
